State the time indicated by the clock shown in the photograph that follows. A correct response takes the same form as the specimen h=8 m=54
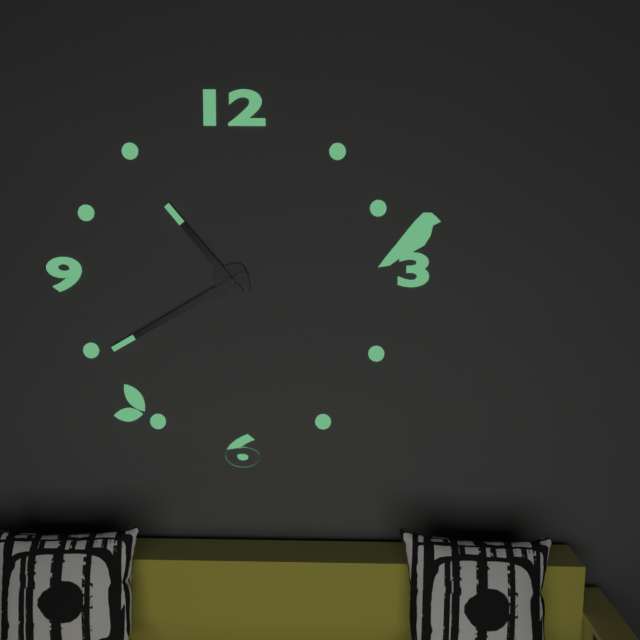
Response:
h=10 m=40
